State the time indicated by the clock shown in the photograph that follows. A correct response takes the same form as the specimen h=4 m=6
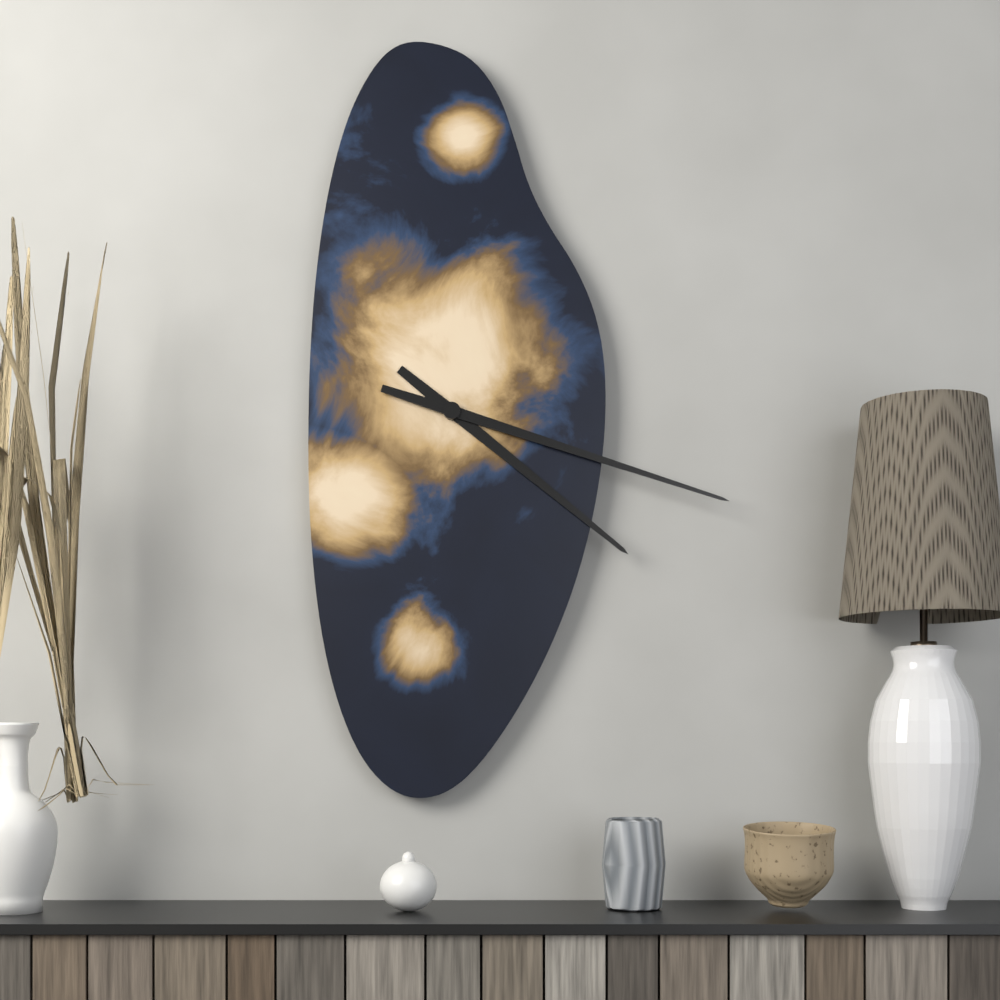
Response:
h=4 m=18
